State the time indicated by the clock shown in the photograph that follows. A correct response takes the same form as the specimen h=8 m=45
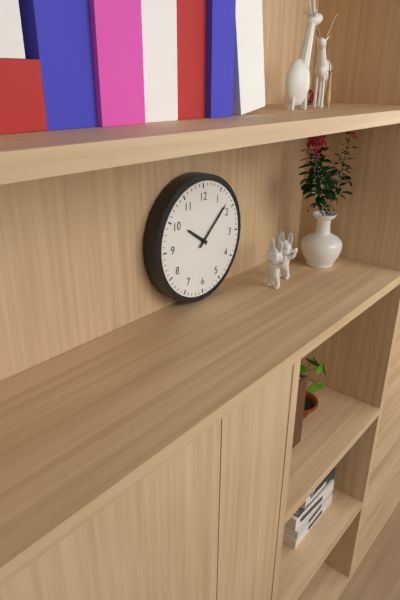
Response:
h=10 m=8
